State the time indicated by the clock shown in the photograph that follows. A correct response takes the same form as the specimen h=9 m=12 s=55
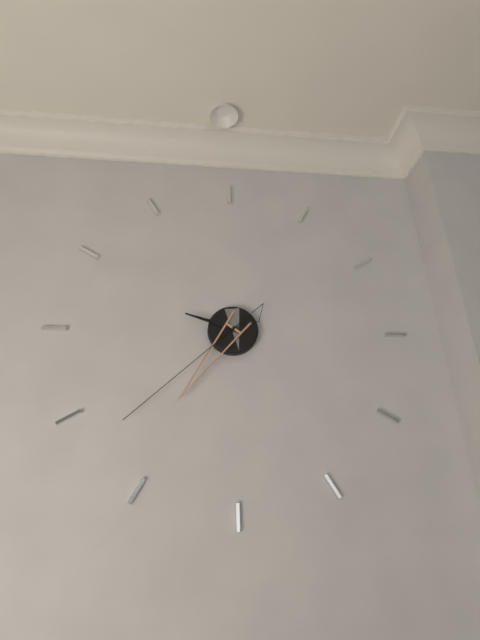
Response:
h=9 m=36 s=38
